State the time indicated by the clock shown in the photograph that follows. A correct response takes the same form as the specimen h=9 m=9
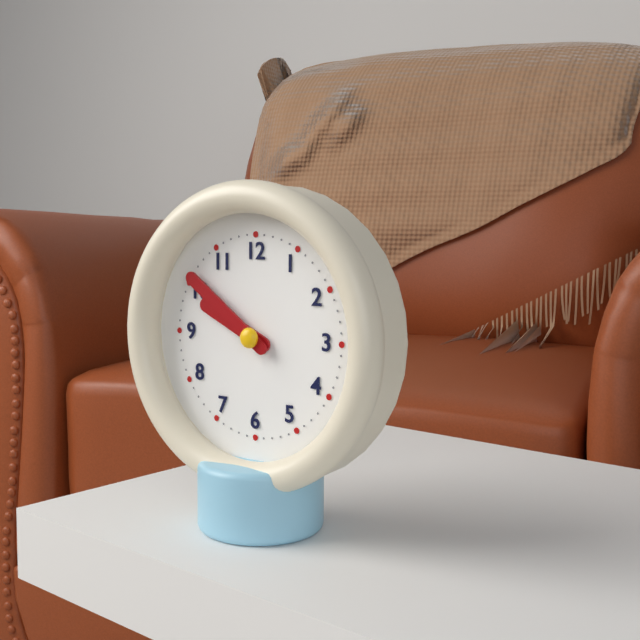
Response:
h=9 m=51
